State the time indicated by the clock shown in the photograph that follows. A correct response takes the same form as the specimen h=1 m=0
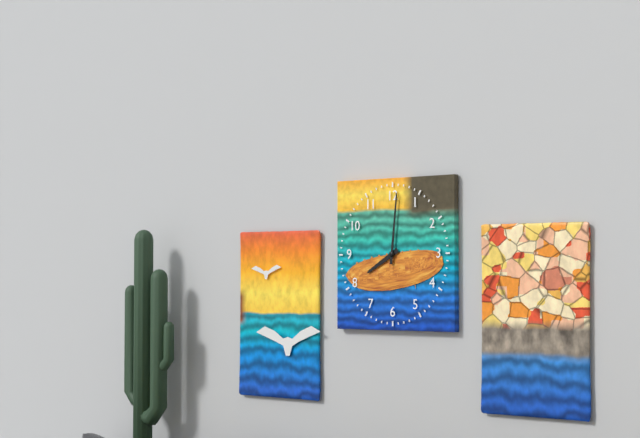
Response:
h=8 m=1
